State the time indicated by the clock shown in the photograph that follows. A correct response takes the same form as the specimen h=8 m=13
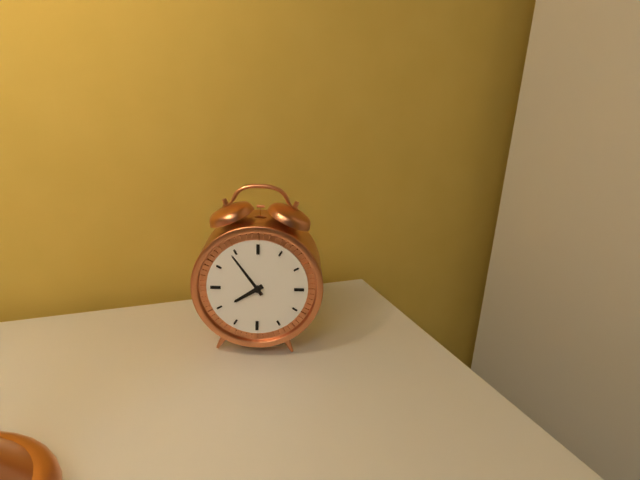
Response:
h=7 m=54
